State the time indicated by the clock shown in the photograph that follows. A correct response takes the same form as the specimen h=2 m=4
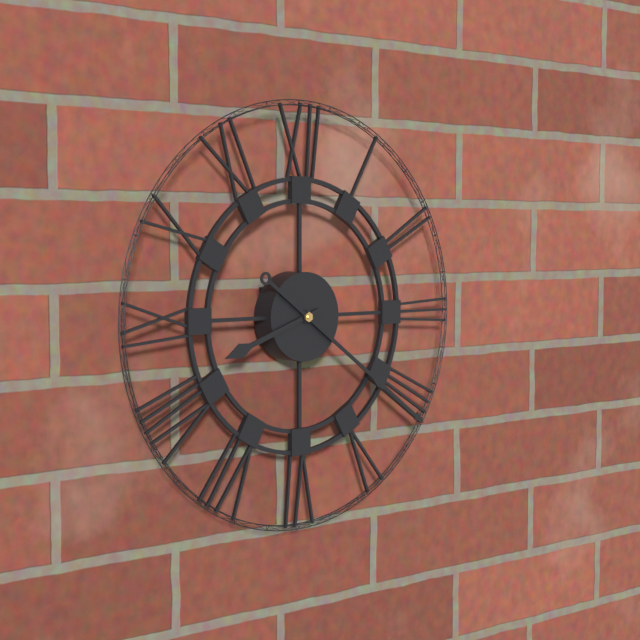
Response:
h=8 m=21
